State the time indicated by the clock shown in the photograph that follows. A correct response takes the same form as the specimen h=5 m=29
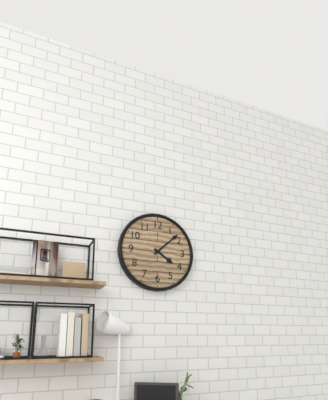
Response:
h=4 m=8
